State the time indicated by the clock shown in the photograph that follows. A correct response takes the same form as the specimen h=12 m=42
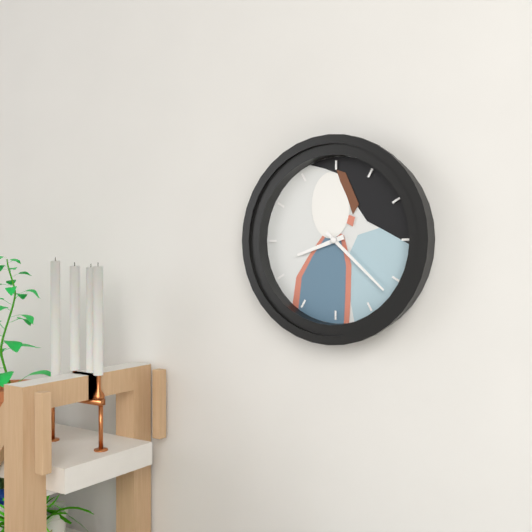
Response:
h=8 m=22
